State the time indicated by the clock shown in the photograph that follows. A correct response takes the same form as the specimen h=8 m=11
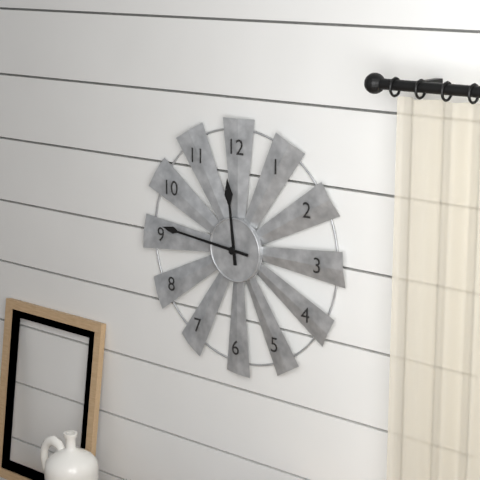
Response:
h=11 m=46
